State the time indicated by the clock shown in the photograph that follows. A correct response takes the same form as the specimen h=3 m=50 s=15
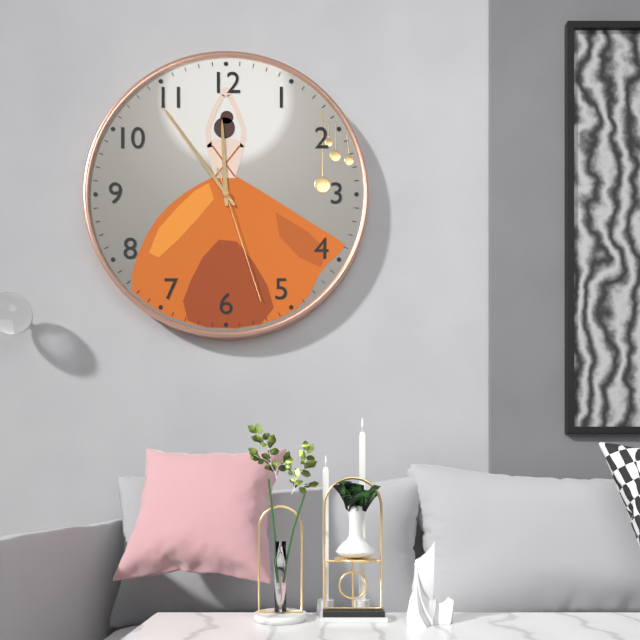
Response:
h=11 m=54 s=27
